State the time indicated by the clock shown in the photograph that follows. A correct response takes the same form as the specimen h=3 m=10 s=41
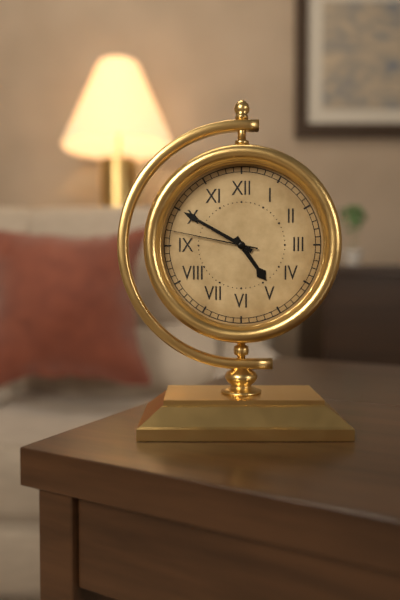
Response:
h=4 m=50 s=47
